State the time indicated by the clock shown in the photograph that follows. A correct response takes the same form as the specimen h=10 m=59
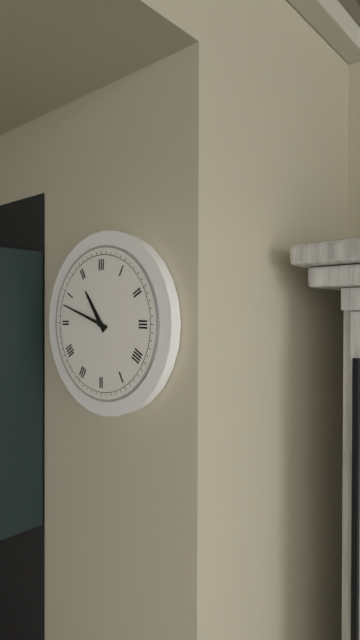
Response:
h=10 m=48
